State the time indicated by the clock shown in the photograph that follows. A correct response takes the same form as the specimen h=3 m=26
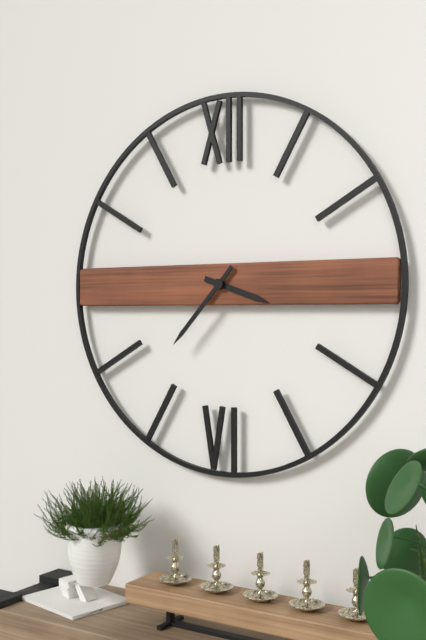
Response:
h=3 m=37
